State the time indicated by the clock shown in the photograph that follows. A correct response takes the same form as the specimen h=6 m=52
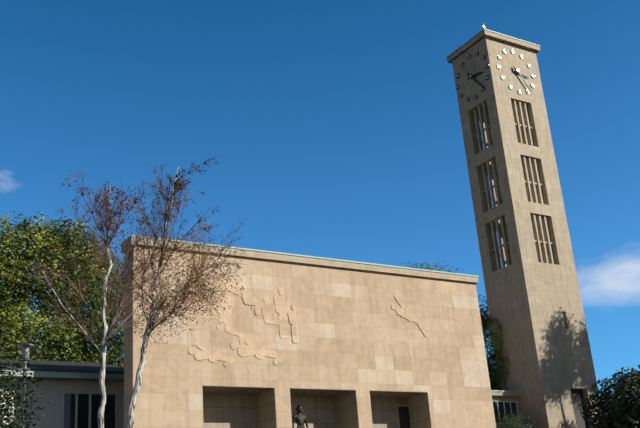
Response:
h=3 m=24
